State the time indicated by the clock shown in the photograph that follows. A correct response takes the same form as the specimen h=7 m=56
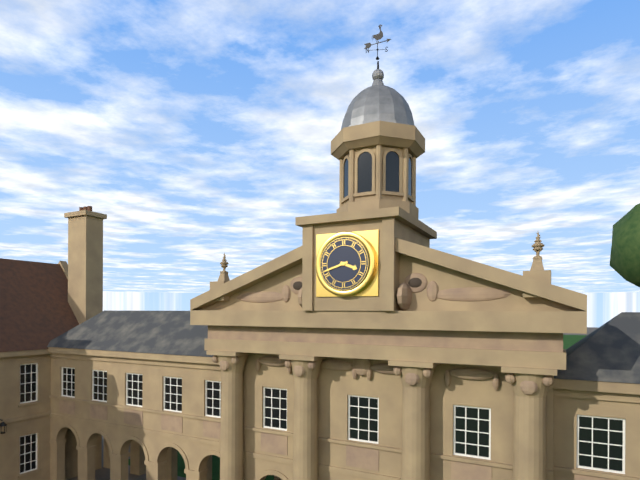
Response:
h=3 m=42
